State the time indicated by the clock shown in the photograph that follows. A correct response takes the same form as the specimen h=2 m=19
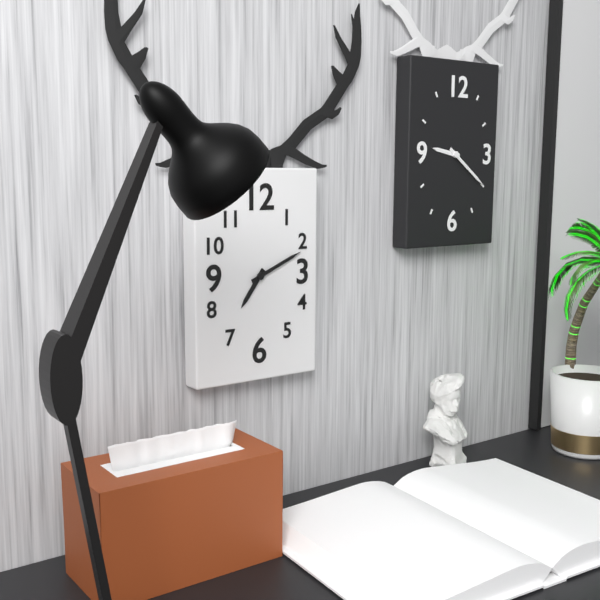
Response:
h=7 m=11
